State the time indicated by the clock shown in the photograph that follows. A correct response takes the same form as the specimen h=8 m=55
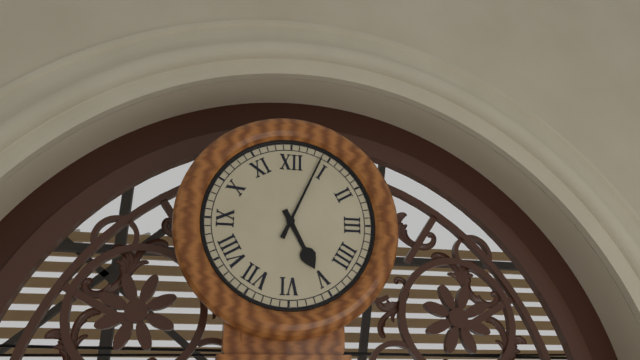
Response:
h=5 m=4
